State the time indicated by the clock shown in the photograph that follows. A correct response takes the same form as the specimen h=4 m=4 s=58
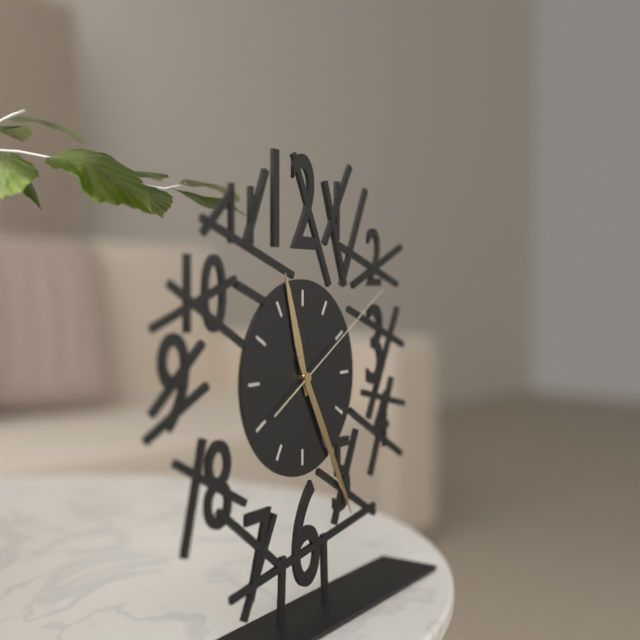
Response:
h=11 m=25 s=10
